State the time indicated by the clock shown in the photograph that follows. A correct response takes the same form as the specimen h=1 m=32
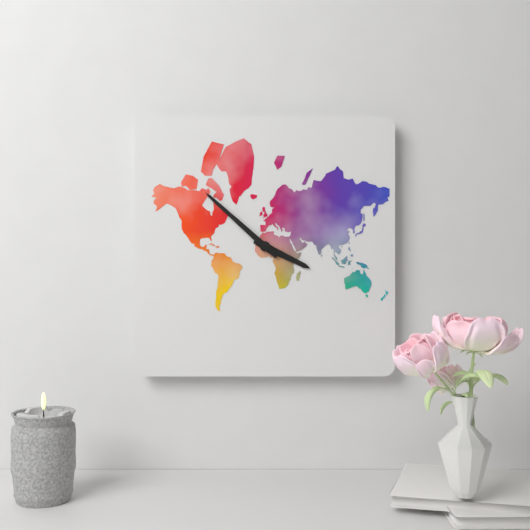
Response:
h=3 m=52
